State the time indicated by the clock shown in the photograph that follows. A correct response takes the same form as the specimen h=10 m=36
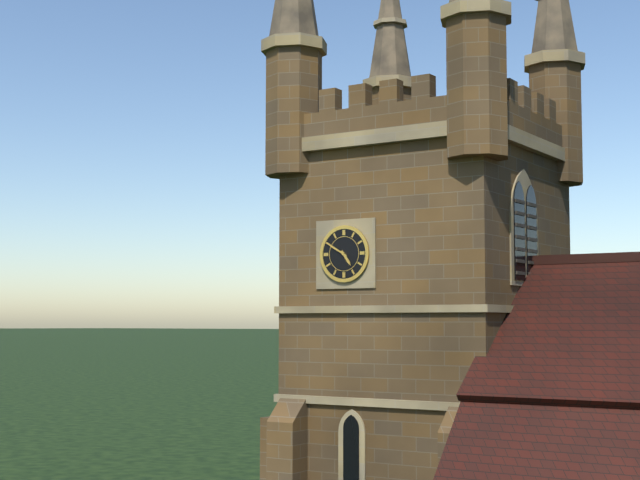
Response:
h=4 m=50
